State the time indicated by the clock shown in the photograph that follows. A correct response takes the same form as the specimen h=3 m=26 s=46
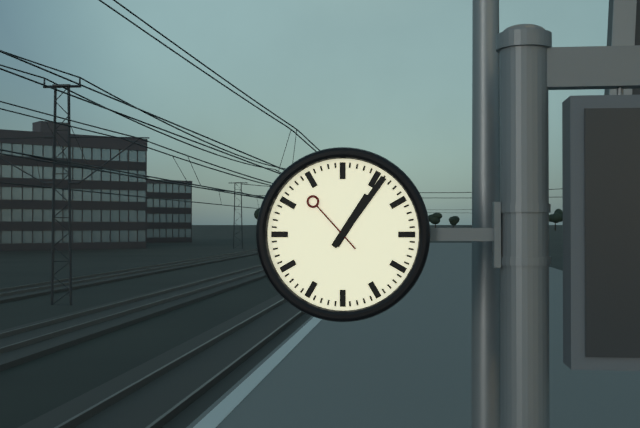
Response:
h=1 m=6 s=53
